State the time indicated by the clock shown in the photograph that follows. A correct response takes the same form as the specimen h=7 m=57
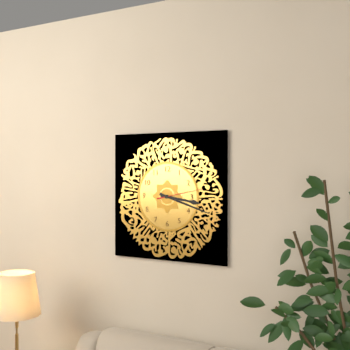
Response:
h=3 m=18
